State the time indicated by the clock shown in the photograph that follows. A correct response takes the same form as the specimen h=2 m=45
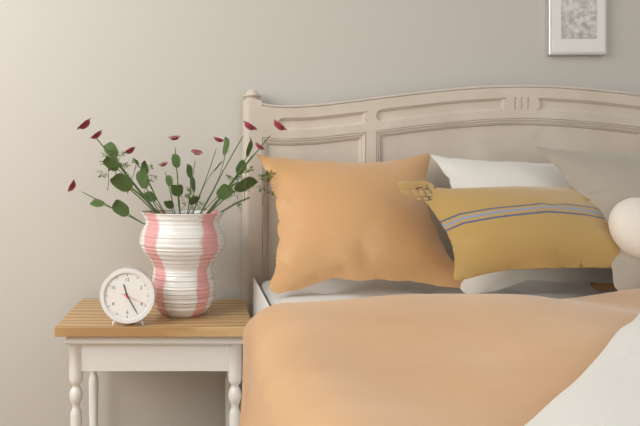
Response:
h=11 m=25
